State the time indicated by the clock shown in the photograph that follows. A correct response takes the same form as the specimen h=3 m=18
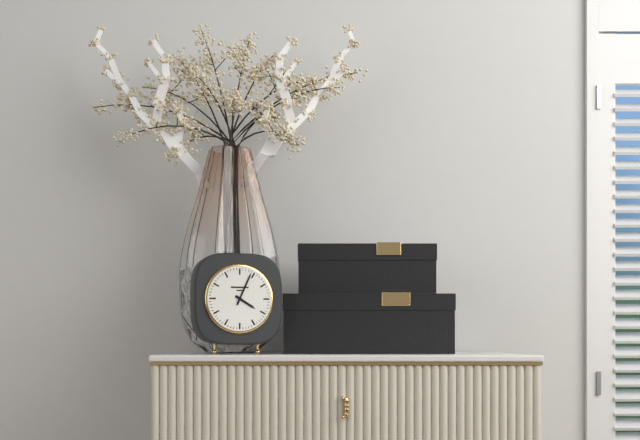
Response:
h=4 m=4
